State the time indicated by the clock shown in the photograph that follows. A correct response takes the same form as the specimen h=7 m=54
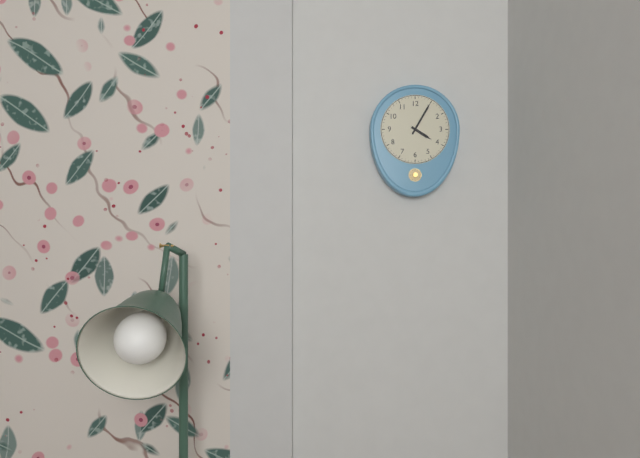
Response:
h=4 m=5
